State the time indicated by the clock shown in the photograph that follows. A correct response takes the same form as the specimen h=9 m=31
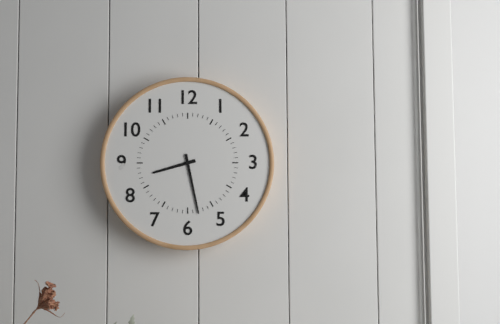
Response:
h=8 m=28
